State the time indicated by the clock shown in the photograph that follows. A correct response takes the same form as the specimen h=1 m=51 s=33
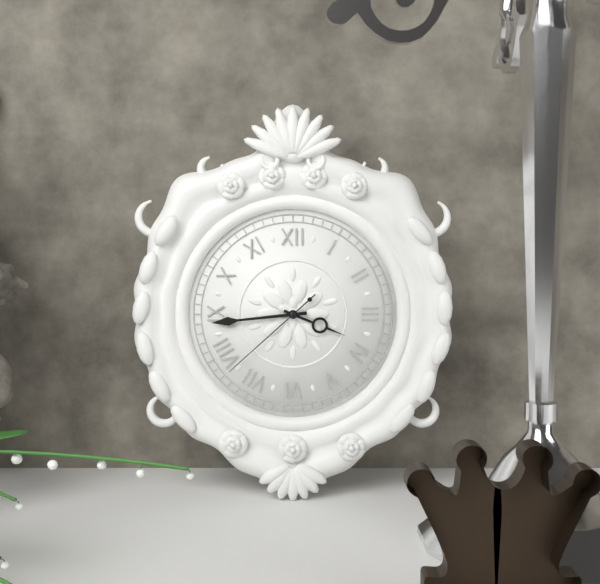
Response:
h=3 m=44 s=38
